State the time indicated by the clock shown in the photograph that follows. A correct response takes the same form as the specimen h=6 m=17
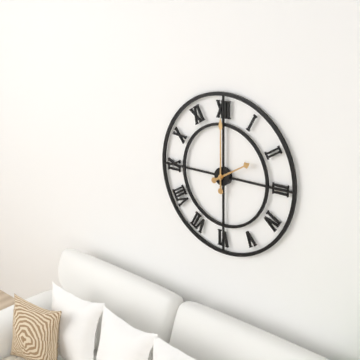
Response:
h=2 m=0
